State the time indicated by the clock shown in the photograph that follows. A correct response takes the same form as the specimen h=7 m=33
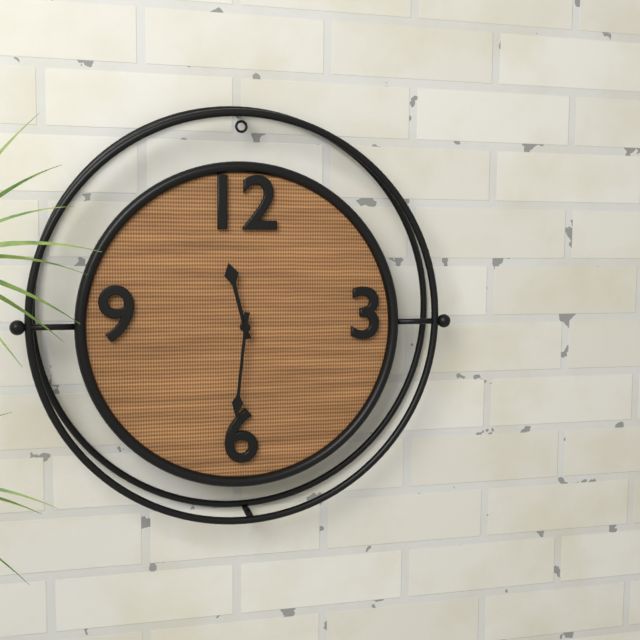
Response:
h=11 m=31
